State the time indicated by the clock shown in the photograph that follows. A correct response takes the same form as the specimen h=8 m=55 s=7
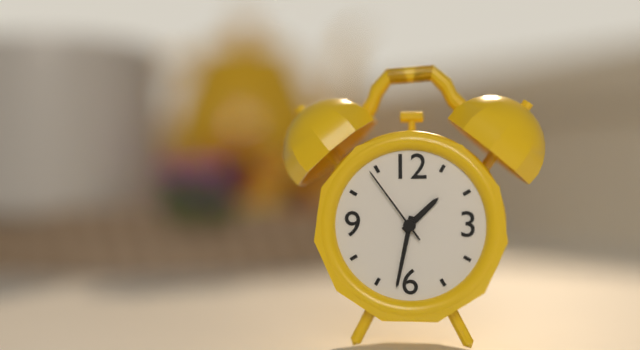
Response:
h=1 m=32 s=54
